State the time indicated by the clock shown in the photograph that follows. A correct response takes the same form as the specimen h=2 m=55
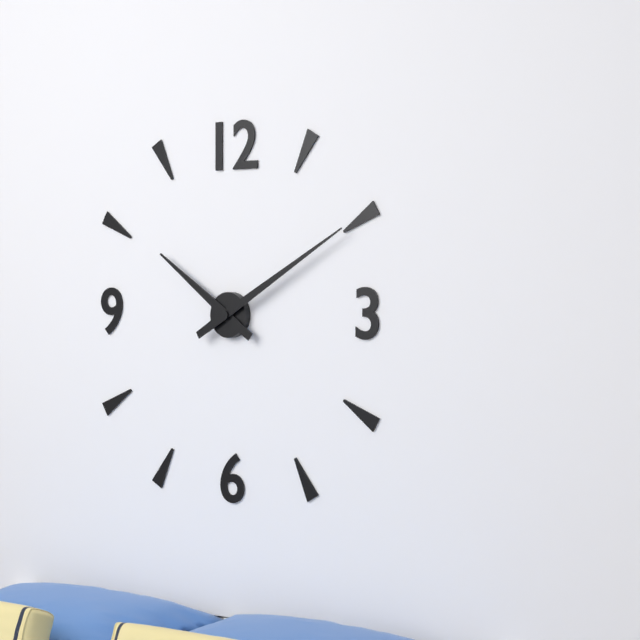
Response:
h=10 m=10
